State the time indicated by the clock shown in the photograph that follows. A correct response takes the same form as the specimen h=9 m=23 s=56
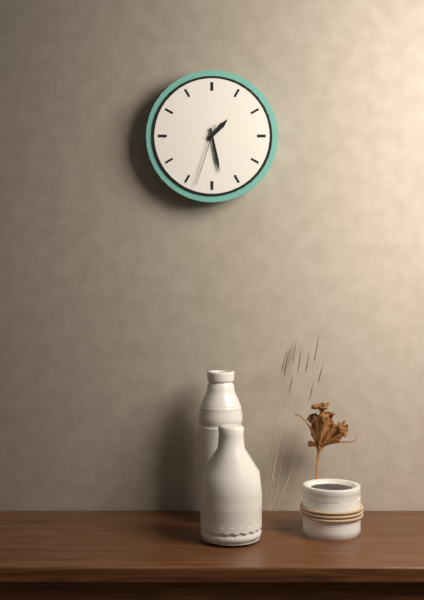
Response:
h=1 m=28 s=33
